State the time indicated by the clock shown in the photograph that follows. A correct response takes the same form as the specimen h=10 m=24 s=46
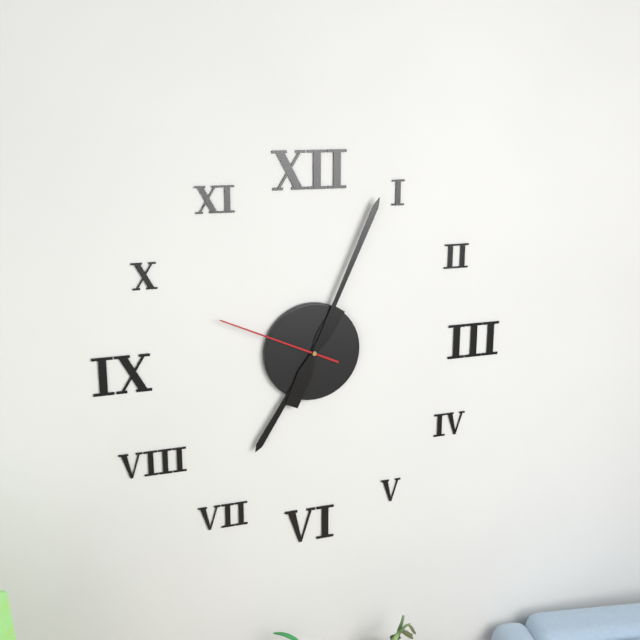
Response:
h=7 m=4 s=49
